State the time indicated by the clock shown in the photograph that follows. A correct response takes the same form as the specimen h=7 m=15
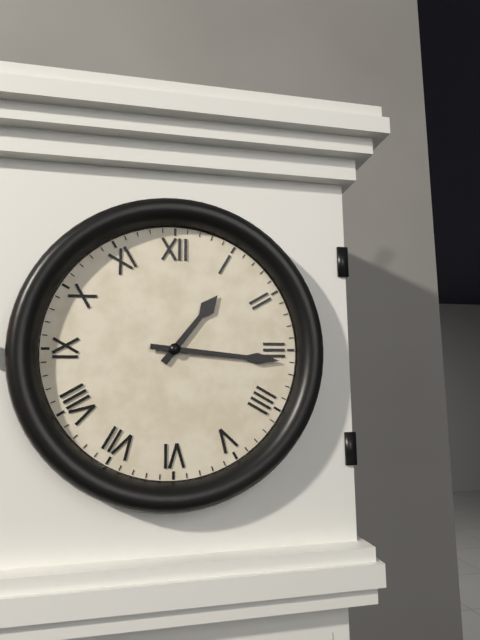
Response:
h=1 m=16
